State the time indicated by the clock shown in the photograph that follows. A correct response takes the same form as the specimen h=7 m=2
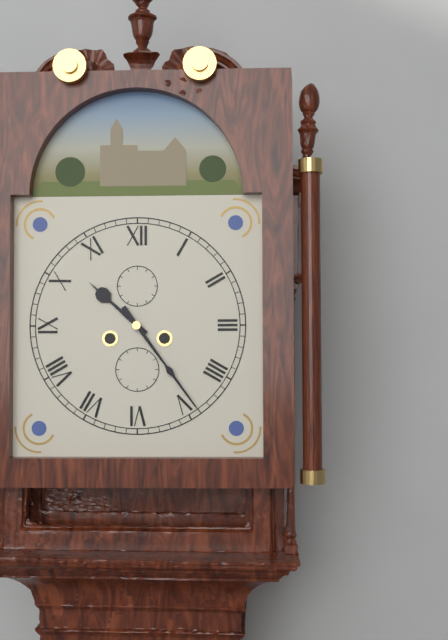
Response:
h=10 m=24
